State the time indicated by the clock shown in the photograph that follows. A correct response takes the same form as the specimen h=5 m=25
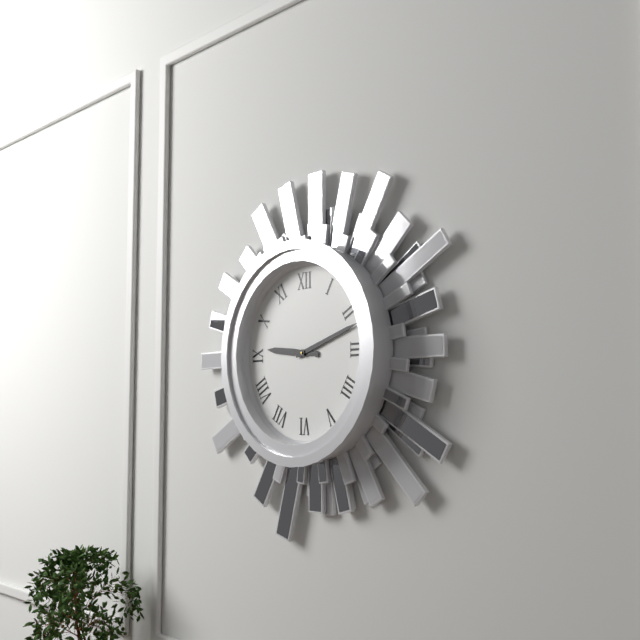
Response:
h=9 m=12
